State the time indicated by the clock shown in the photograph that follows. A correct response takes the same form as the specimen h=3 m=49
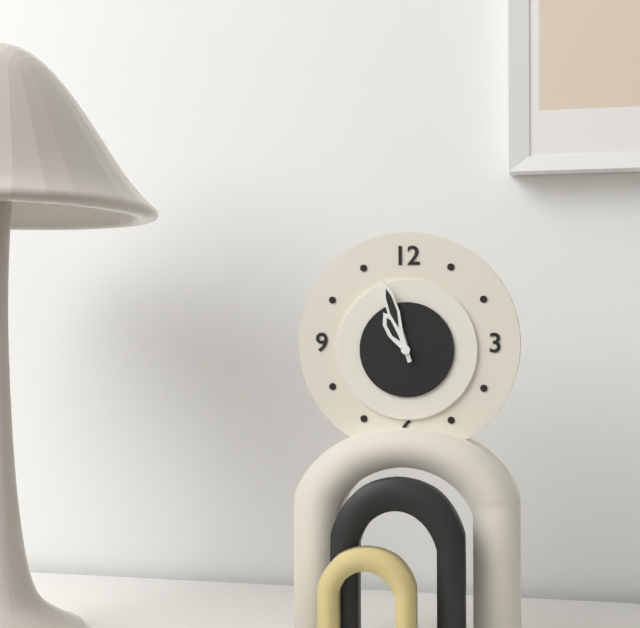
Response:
h=10 m=57
